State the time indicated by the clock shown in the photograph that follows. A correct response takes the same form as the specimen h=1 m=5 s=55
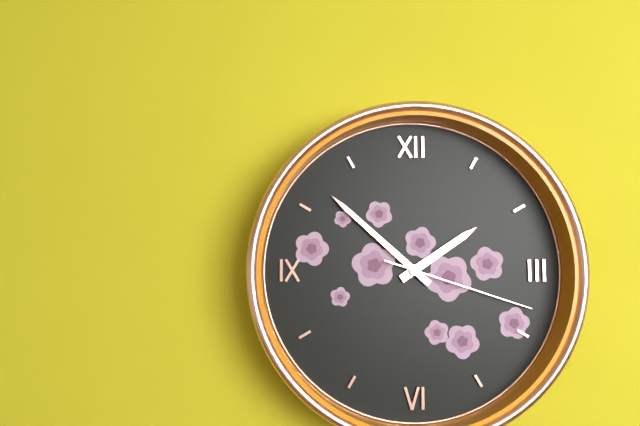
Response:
h=1 m=52 s=18
